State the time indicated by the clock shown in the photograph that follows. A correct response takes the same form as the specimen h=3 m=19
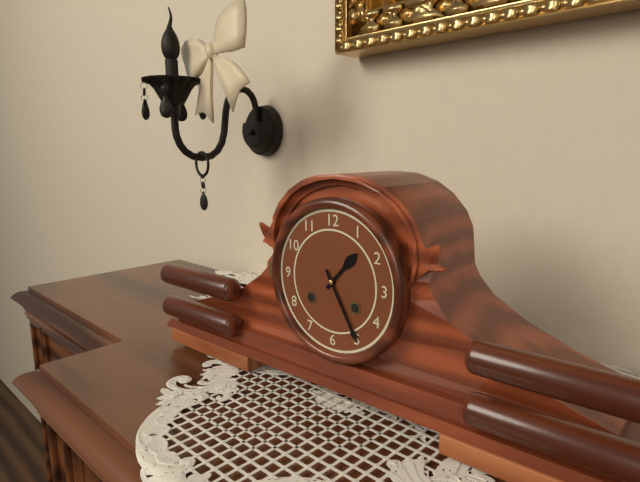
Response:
h=1 m=25
